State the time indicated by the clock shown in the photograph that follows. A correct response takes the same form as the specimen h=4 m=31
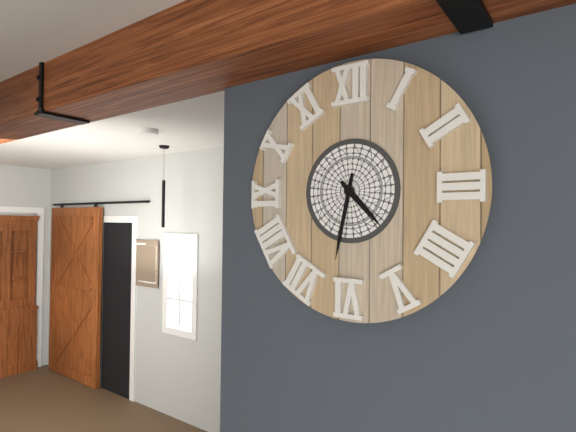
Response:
h=4 m=32
